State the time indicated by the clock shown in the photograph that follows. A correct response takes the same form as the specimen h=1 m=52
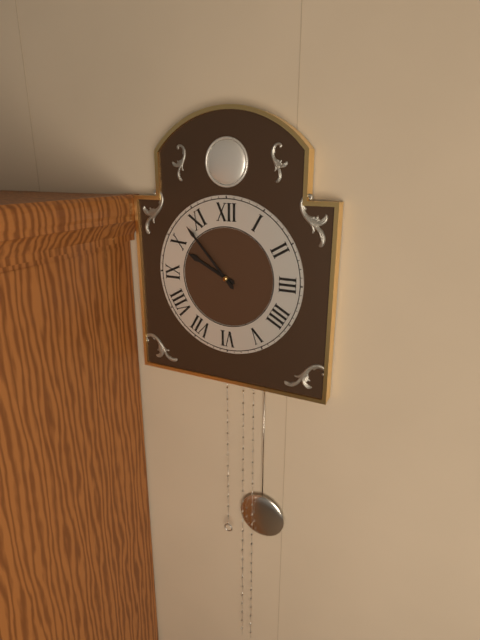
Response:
h=9 m=53
